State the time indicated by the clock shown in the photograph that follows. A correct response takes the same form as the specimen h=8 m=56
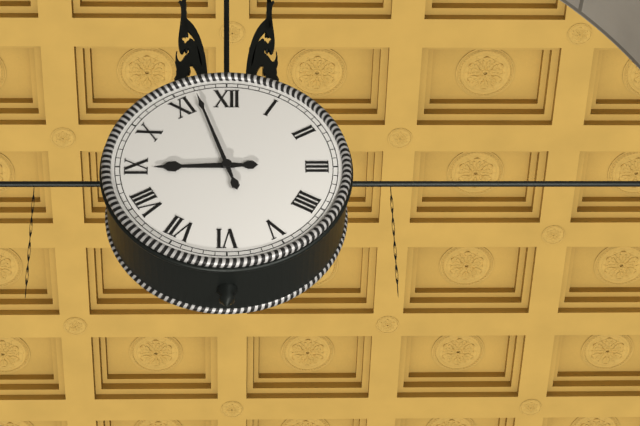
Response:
h=8 m=57
